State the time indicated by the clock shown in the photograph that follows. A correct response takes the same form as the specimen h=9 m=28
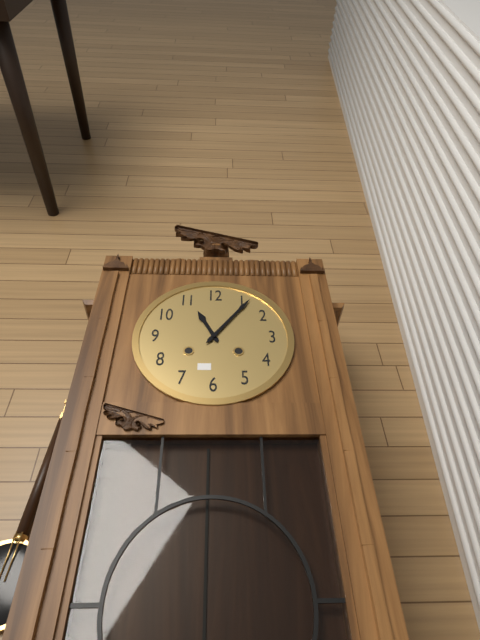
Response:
h=11 m=6
